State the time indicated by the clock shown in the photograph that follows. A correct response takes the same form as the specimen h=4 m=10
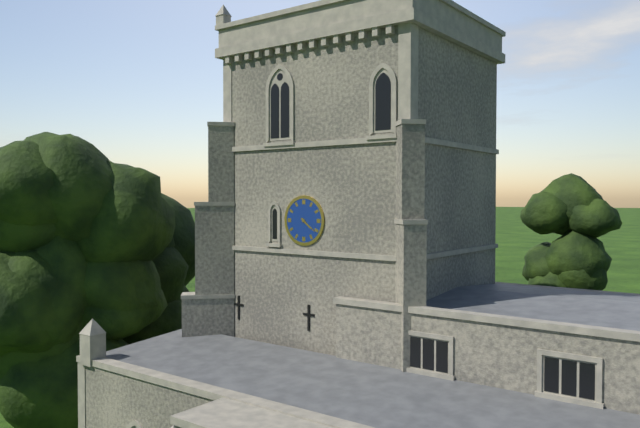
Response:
h=4 m=21
